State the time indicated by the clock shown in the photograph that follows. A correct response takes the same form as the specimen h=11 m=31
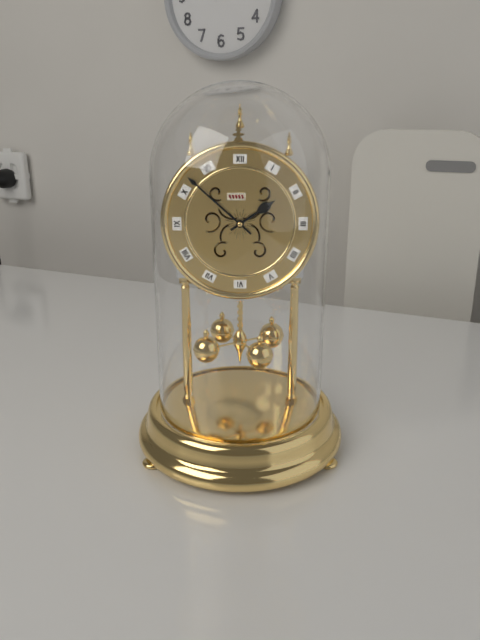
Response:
h=1 m=52
